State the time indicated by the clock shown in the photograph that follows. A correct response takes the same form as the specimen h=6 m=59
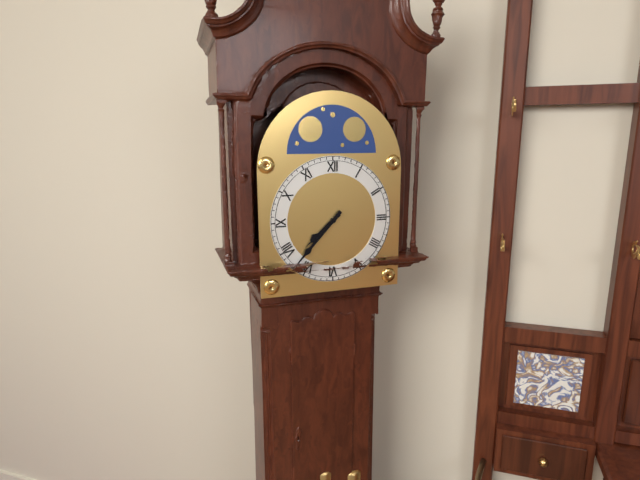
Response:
h=7 m=37
